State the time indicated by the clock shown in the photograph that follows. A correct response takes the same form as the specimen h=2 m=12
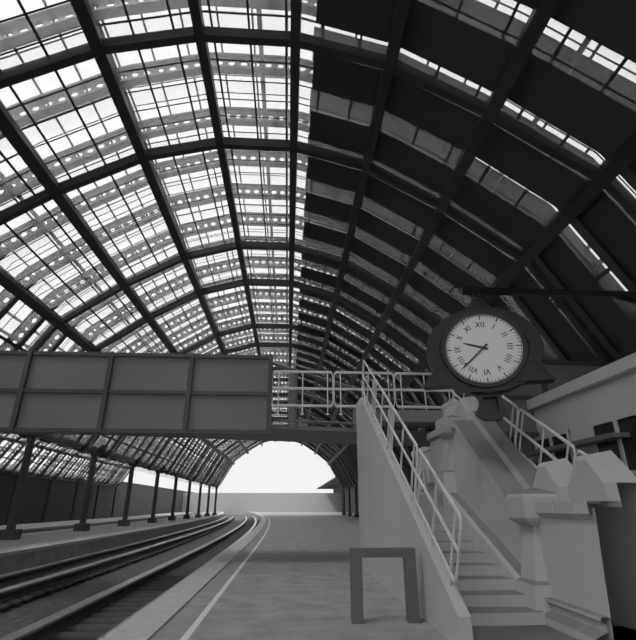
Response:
h=9 m=38
